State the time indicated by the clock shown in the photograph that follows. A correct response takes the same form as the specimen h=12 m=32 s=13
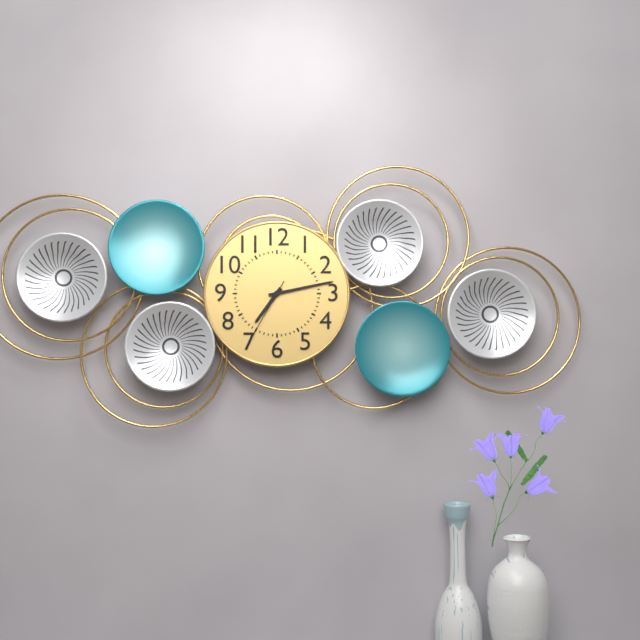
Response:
h=7 m=13 s=35
